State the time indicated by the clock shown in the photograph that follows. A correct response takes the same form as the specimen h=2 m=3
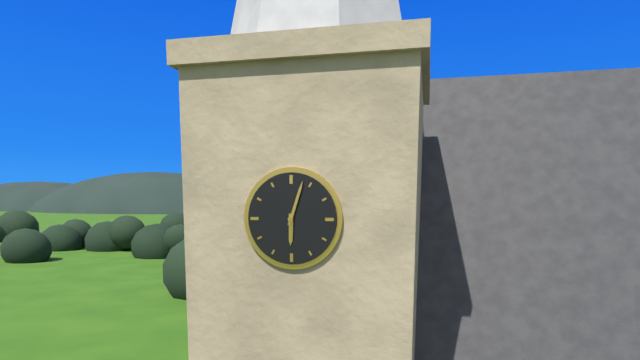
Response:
h=6 m=3
